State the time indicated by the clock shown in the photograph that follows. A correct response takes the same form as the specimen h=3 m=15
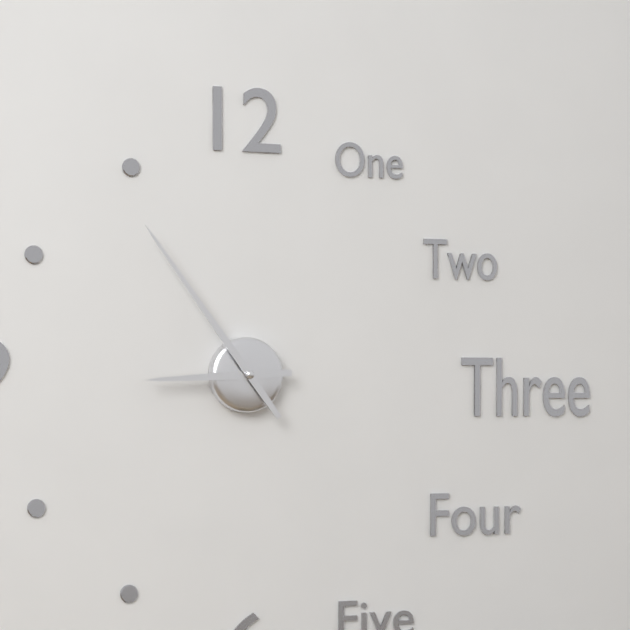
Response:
h=8 m=54
